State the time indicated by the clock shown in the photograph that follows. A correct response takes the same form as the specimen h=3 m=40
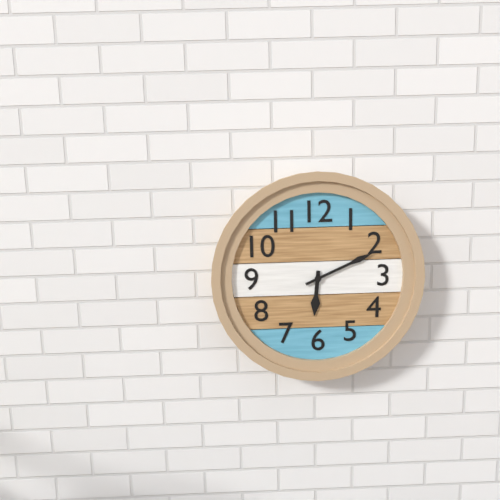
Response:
h=6 m=11
